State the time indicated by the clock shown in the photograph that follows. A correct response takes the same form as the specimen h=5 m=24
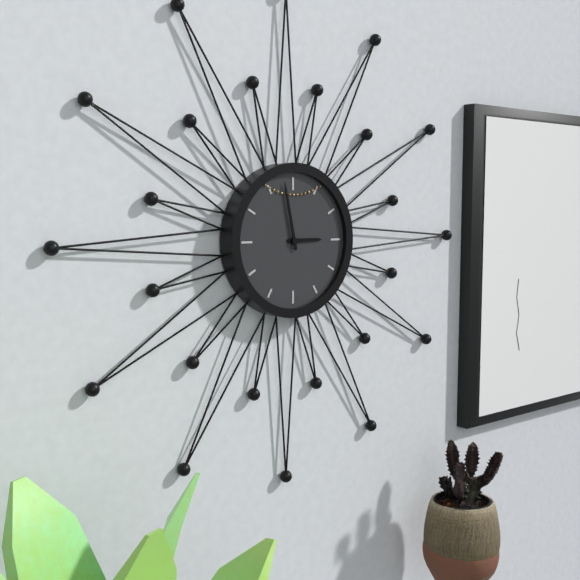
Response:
h=2 m=58
